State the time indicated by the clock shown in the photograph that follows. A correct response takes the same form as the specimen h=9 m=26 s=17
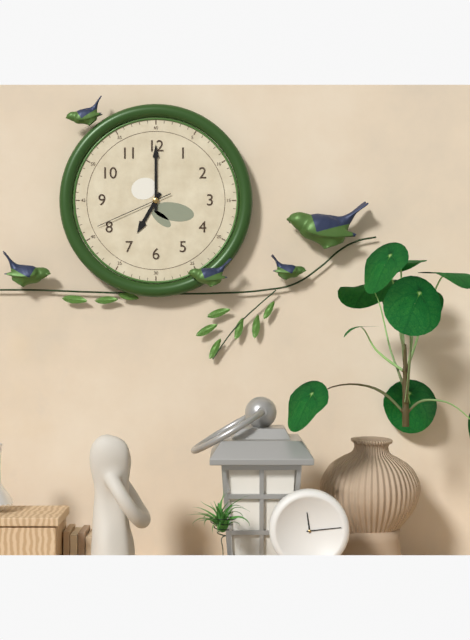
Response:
h=7 m=0 s=41
